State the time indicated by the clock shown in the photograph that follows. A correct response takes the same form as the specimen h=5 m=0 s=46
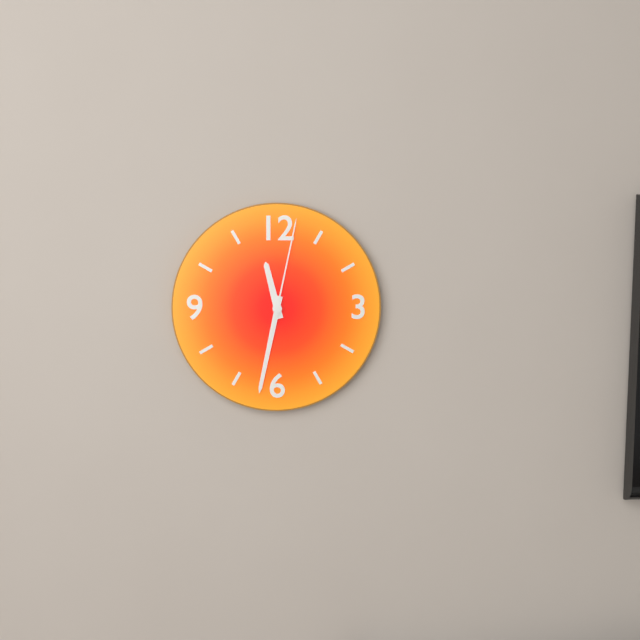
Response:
h=11 m=32 s=2
